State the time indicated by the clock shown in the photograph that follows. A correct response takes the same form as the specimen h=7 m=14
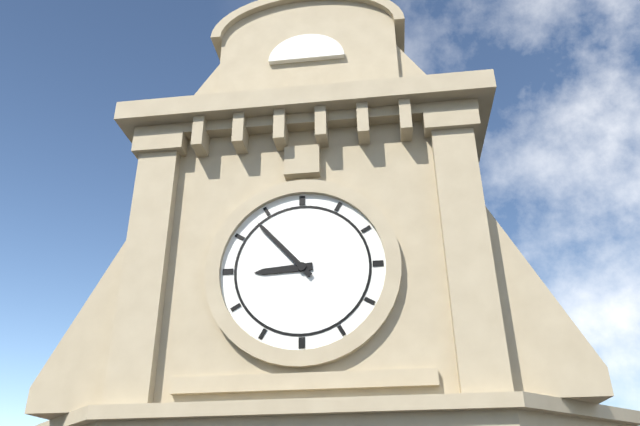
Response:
h=8 m=53
